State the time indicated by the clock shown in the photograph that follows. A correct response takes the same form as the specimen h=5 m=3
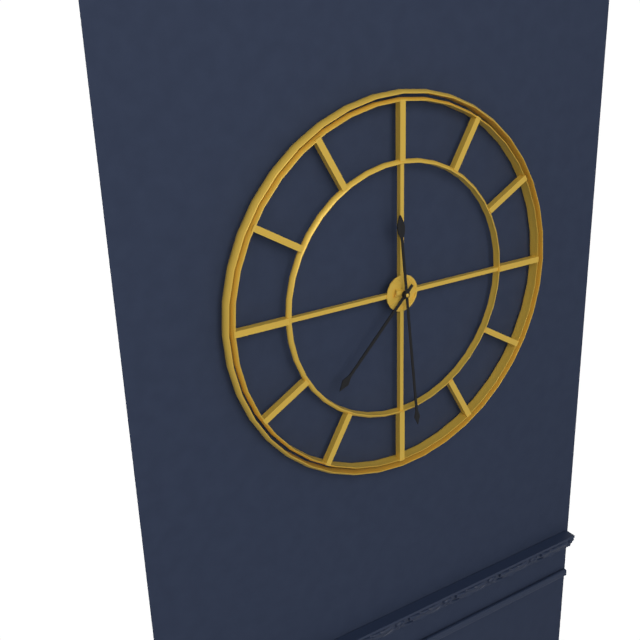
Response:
h=7 m=29
